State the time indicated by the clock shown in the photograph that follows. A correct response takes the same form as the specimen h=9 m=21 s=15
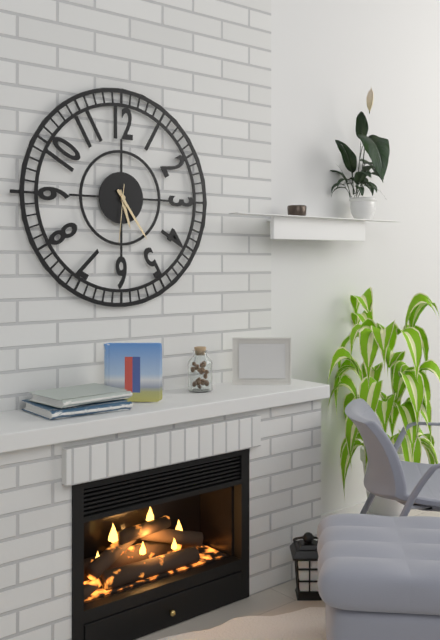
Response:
h=5 m=24 s=31
